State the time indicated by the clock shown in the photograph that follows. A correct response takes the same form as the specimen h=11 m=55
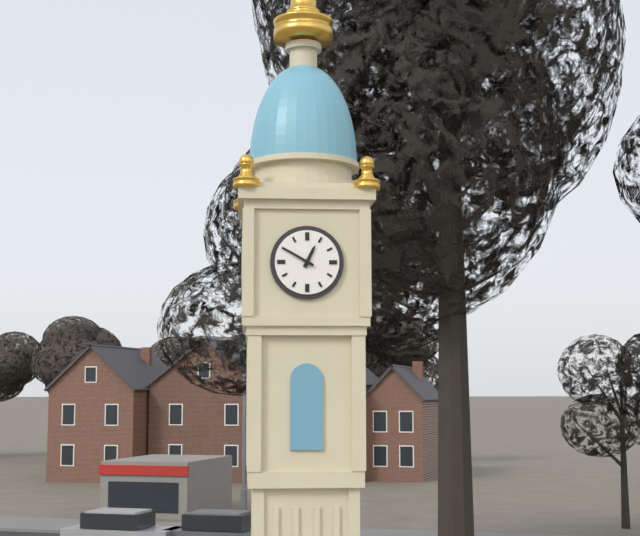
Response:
h=12 m=50
